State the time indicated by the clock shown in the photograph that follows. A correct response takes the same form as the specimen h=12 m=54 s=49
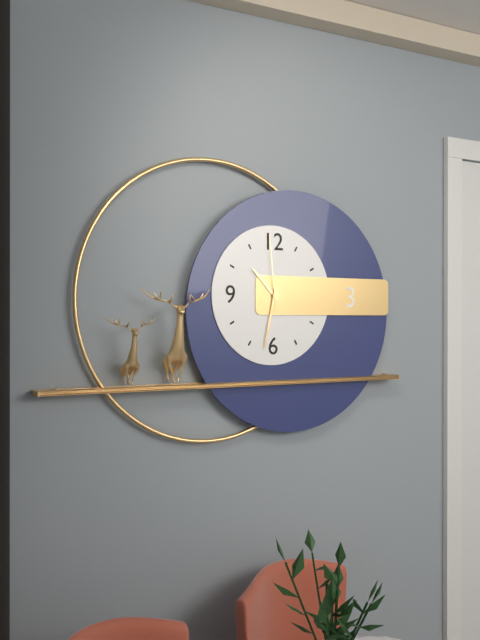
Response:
h=10 m=32 s=59
